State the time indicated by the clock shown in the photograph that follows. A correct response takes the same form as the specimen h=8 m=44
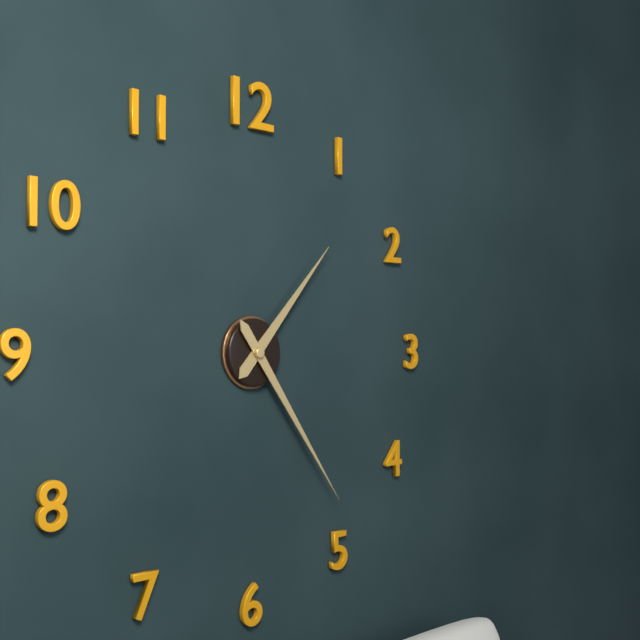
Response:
h=1 m=24
